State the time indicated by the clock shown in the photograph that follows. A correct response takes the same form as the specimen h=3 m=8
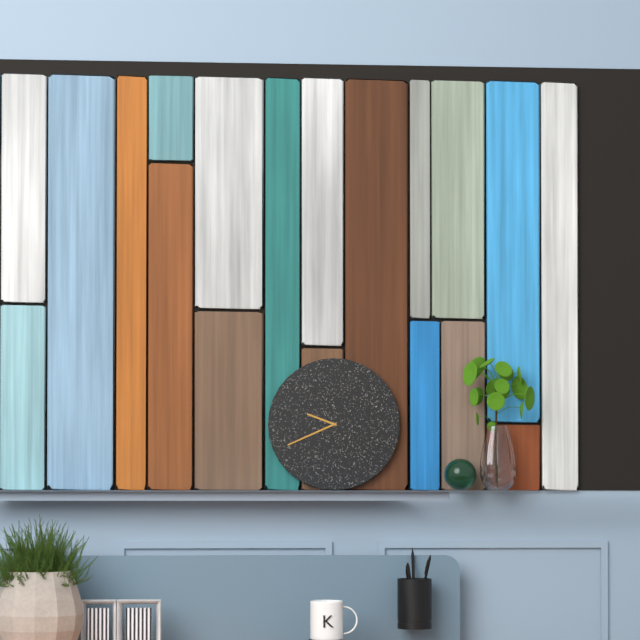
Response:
h=9 m=41
